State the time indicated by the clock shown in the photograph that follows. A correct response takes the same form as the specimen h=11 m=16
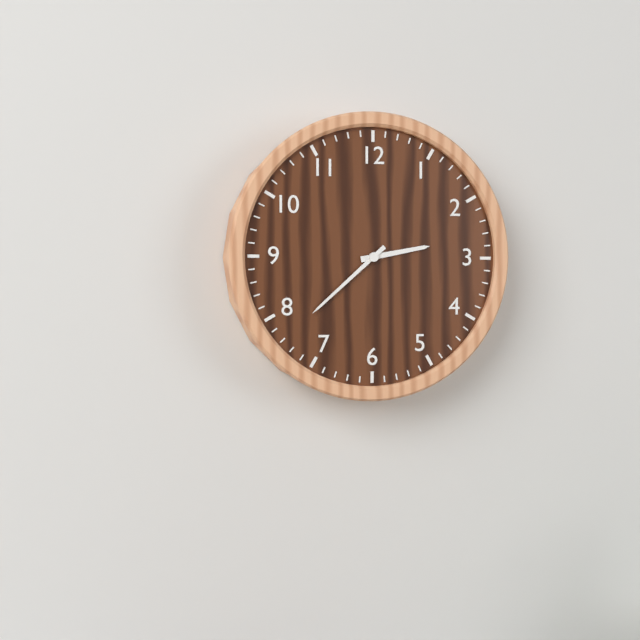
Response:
h=2 m=38
